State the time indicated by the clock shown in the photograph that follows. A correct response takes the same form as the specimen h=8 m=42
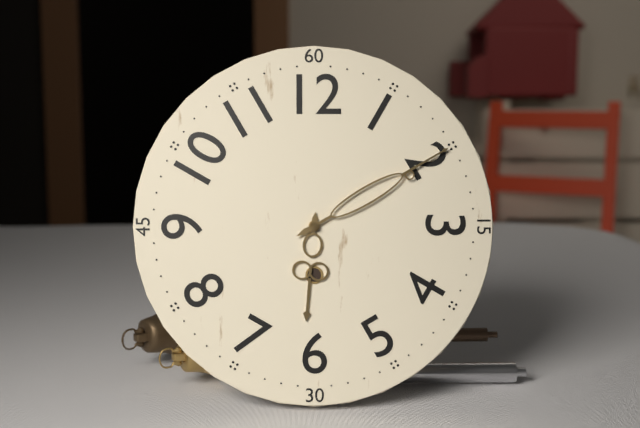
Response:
h=6 m=10
